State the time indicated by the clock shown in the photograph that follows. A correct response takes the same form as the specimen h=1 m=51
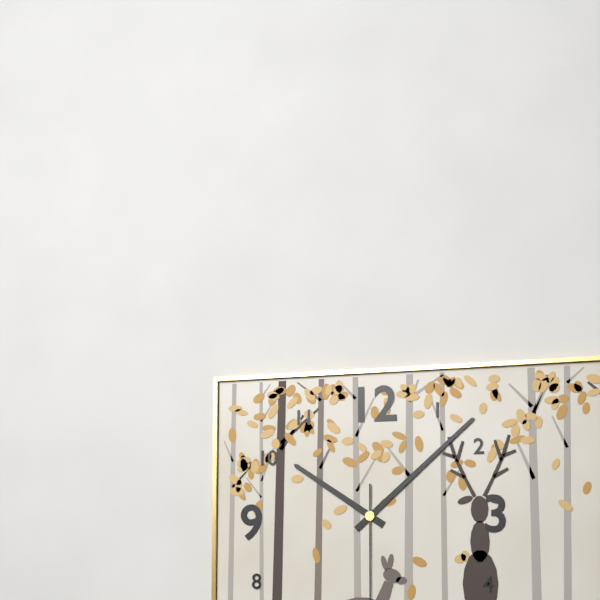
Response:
h=10 m=8
